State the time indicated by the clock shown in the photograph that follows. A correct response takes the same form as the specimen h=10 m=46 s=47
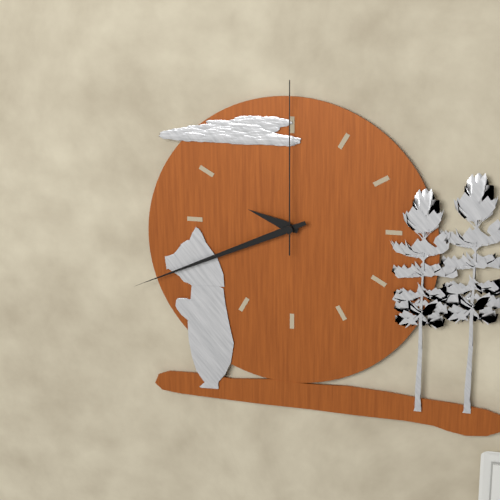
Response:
h=9 m=41 s=0
